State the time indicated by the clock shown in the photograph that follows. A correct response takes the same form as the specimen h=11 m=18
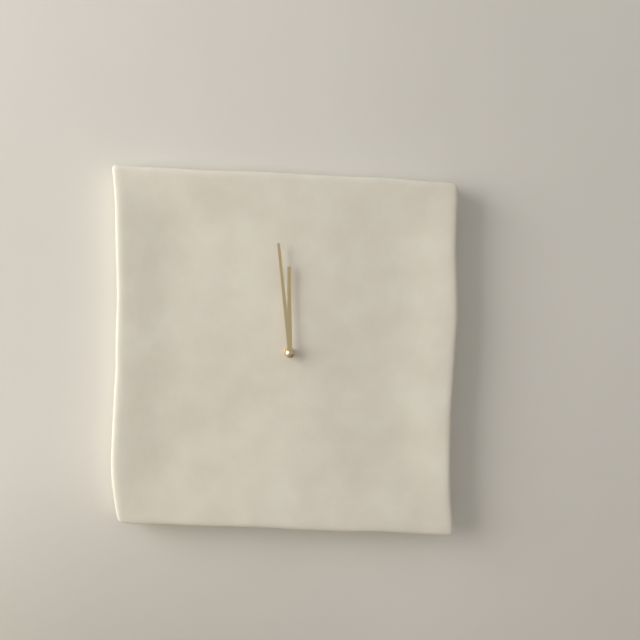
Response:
h=11 m=59
